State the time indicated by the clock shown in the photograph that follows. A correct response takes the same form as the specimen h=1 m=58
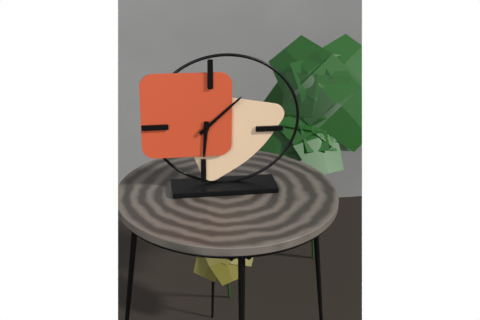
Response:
h=6 m=8
